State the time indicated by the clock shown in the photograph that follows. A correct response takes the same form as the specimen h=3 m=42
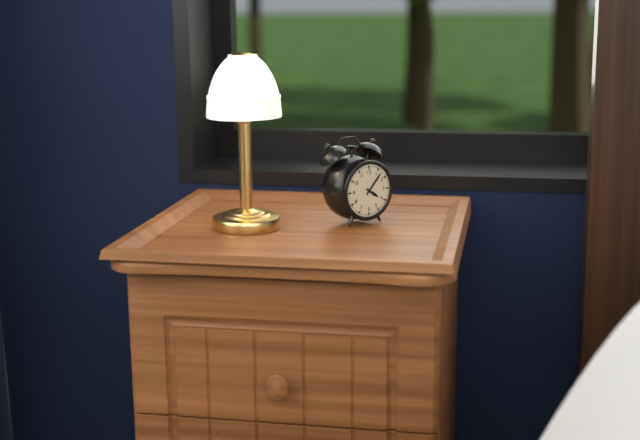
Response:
h=4 m=7
